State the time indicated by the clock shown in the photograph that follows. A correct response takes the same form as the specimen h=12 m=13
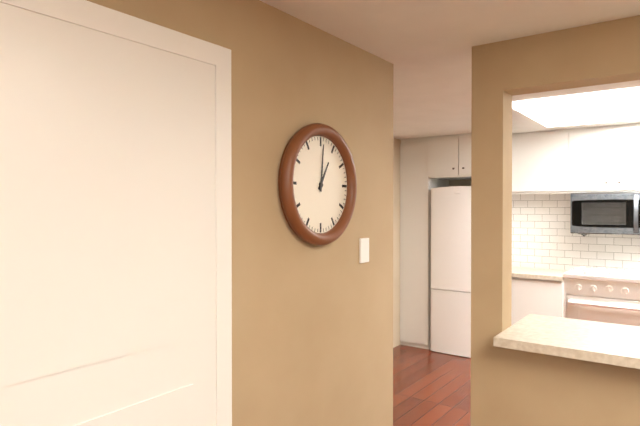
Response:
h=1 m=1
